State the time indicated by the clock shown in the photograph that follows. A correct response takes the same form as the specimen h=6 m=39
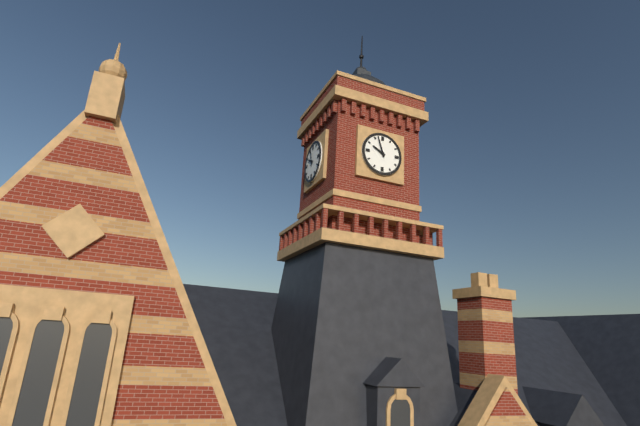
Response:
h=9 m=57
